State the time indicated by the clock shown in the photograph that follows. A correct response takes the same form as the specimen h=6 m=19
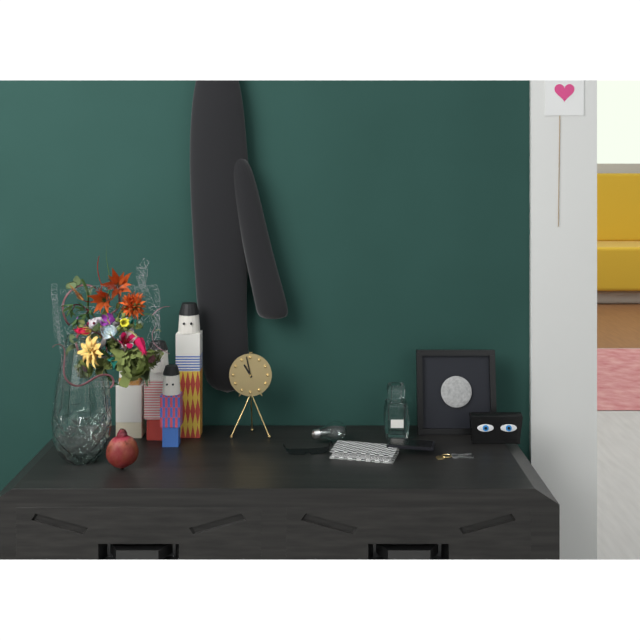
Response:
h=10 m=58
